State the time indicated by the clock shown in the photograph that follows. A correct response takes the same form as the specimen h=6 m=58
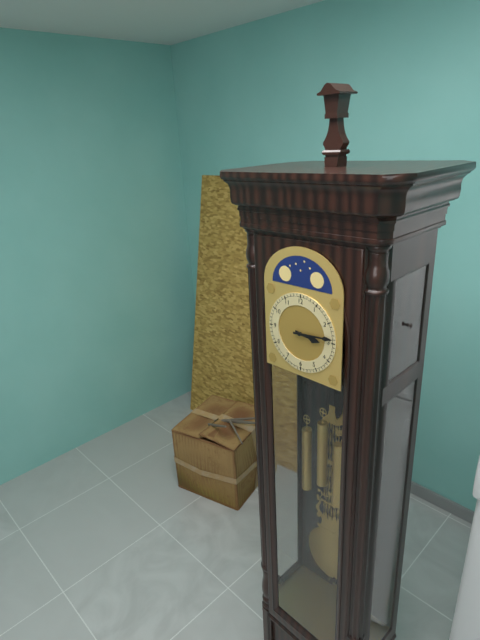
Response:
h=3 m=14
